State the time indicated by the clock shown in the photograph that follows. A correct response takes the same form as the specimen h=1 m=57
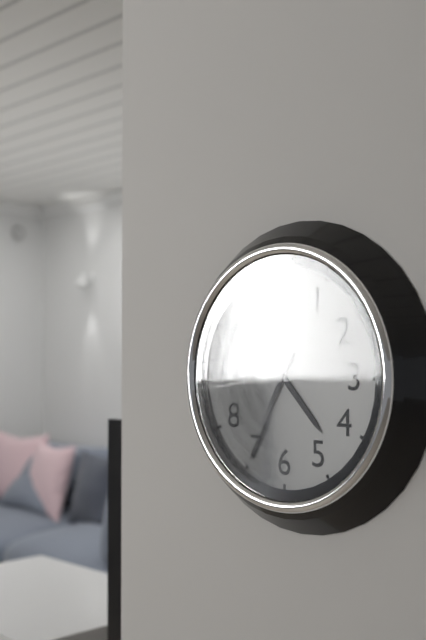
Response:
h=4 m=35
